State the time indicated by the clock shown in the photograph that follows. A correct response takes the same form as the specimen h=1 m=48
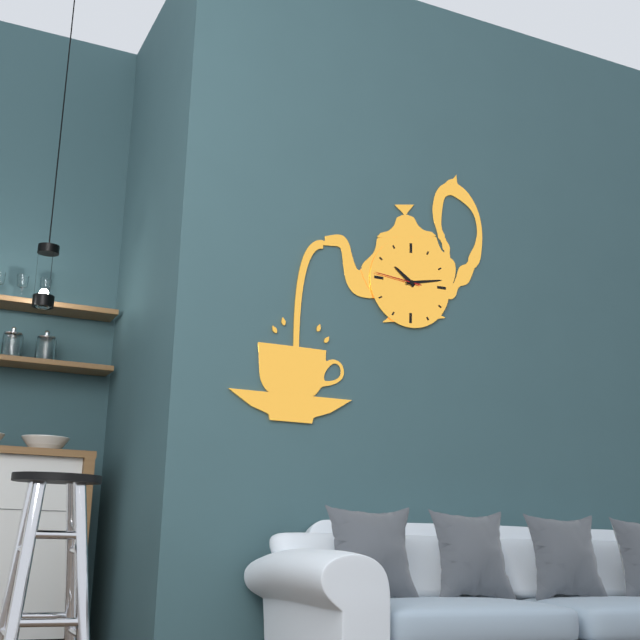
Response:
h=10 m=13
